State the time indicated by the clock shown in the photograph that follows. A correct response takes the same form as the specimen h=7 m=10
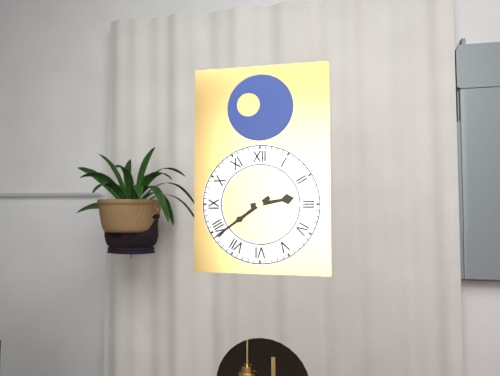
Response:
h=2 m=39
